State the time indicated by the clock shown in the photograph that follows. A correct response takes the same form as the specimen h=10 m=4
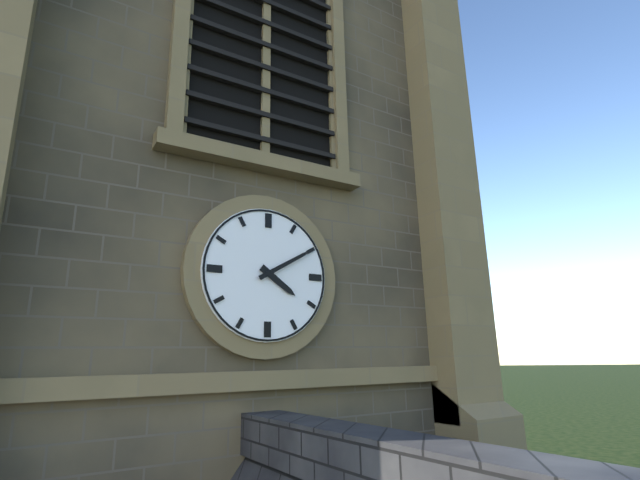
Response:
h=4 m=10
